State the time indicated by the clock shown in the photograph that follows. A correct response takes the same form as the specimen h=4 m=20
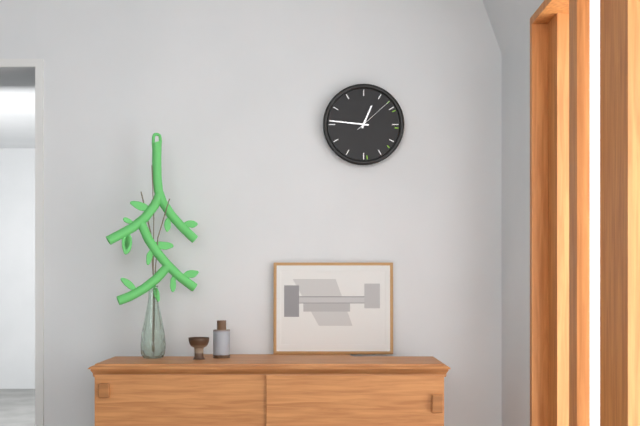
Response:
h=12 m=46
